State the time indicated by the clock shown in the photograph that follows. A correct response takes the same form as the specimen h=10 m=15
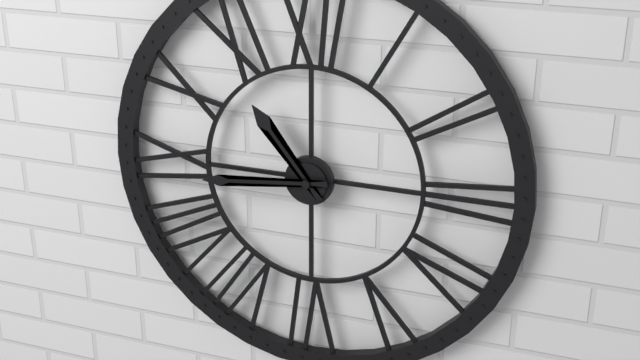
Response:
h=10 m=44
